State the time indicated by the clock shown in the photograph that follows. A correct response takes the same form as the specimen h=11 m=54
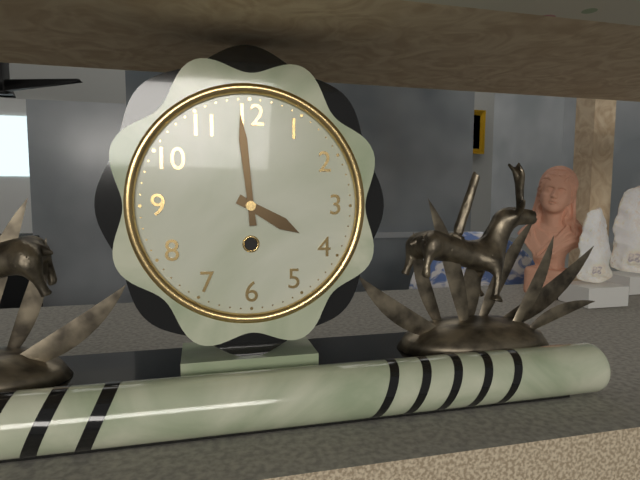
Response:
h=3 m=59
